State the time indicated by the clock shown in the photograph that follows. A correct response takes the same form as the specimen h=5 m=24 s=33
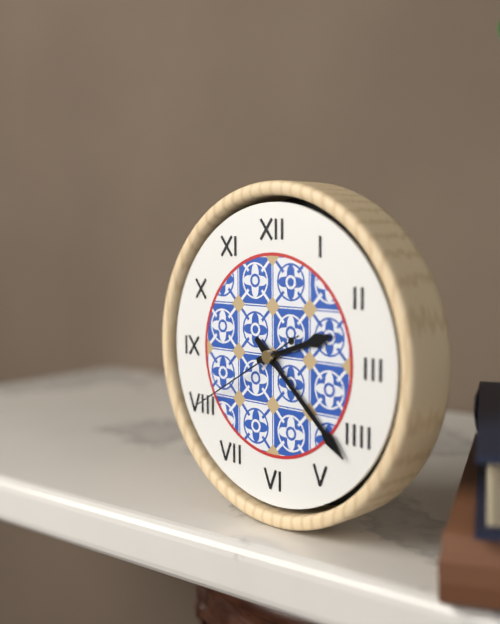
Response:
h=2 m=22 s=40
